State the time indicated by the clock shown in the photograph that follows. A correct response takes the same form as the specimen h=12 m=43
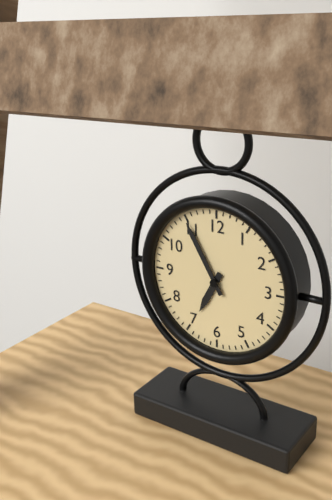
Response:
h=6 m=55
